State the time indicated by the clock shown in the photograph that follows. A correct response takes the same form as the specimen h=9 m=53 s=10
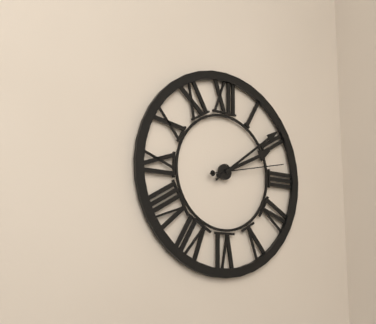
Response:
h=2 m=9 s=13
